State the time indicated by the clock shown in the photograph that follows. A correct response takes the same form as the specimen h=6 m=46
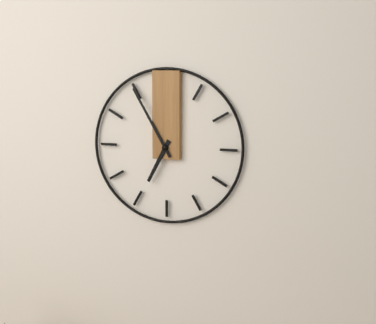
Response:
h=6 m=55
